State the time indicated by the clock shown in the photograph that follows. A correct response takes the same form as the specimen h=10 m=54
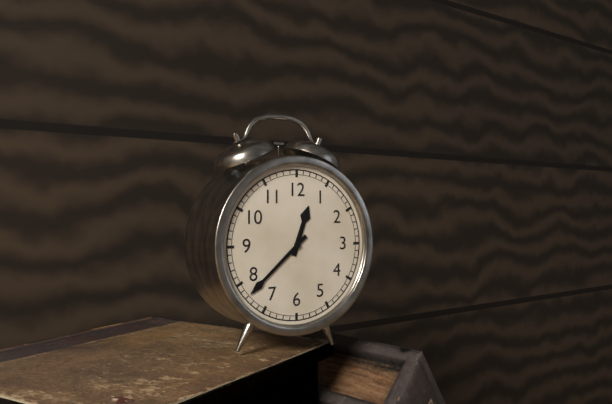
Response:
h=12 m=38
